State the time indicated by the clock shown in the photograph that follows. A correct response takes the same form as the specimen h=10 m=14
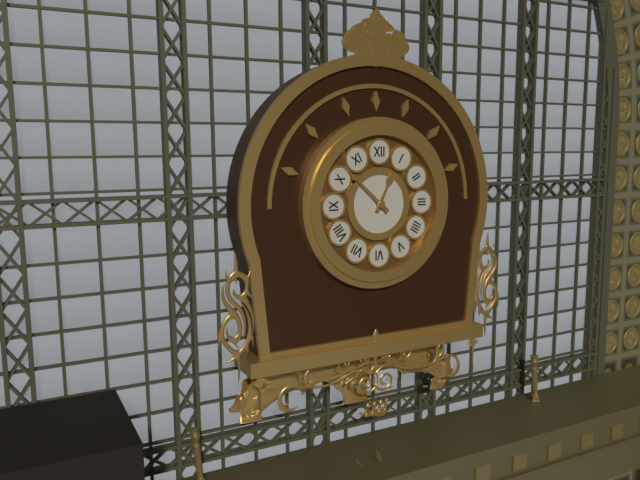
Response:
h=12 m=52
